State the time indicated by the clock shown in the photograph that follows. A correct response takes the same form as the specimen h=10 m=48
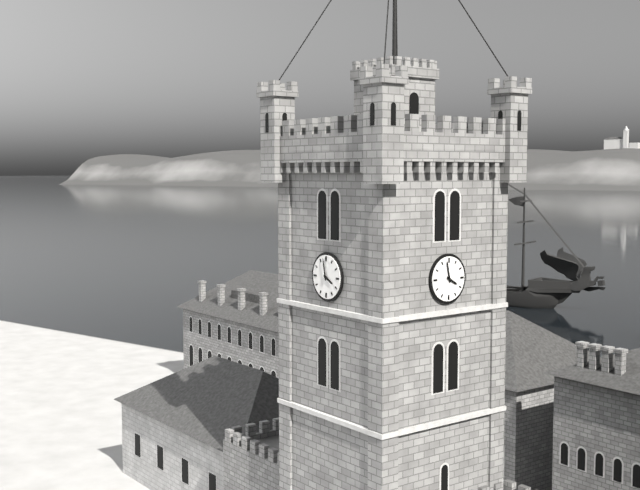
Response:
h=3 m=58
